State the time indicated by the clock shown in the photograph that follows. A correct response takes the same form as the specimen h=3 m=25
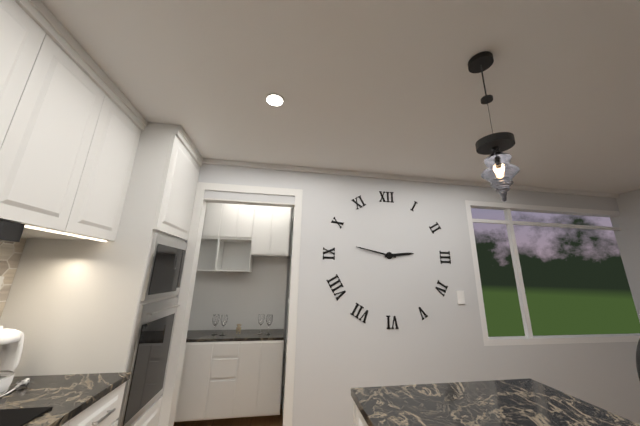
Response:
h=2 m=47
